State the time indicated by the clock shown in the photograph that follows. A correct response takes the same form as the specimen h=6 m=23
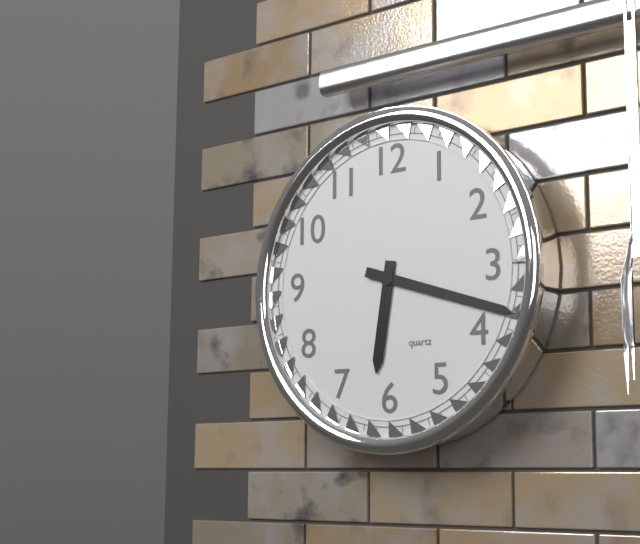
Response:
h=6 m=18
